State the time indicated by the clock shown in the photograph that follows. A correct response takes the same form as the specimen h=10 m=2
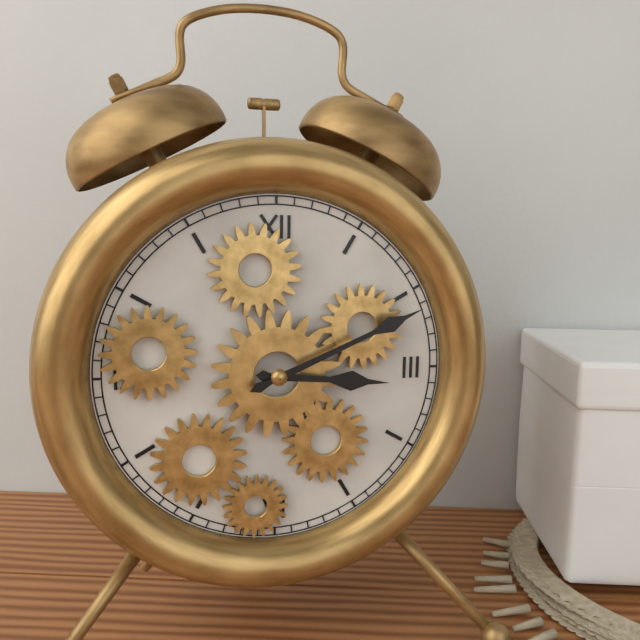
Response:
h=3 m=11
